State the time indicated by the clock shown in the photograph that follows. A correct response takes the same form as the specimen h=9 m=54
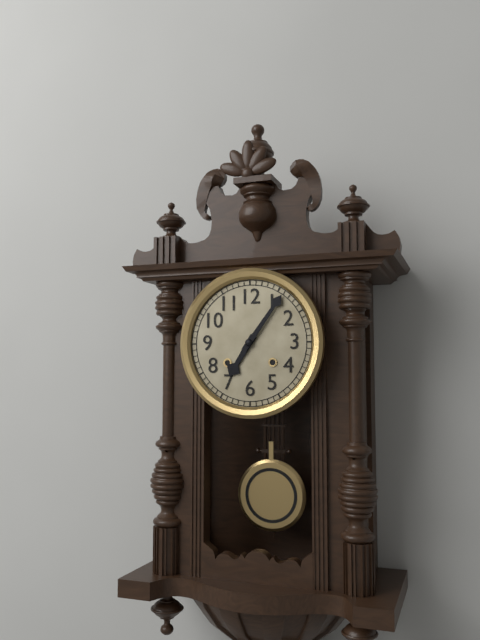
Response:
h=7 m=6
